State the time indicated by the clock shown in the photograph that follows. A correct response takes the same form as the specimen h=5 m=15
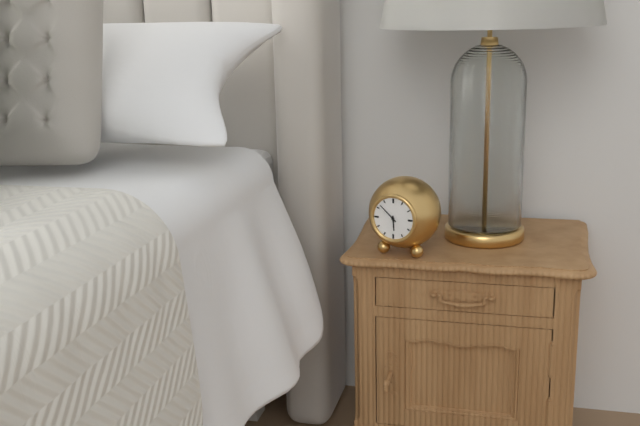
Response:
h=5 m=52
